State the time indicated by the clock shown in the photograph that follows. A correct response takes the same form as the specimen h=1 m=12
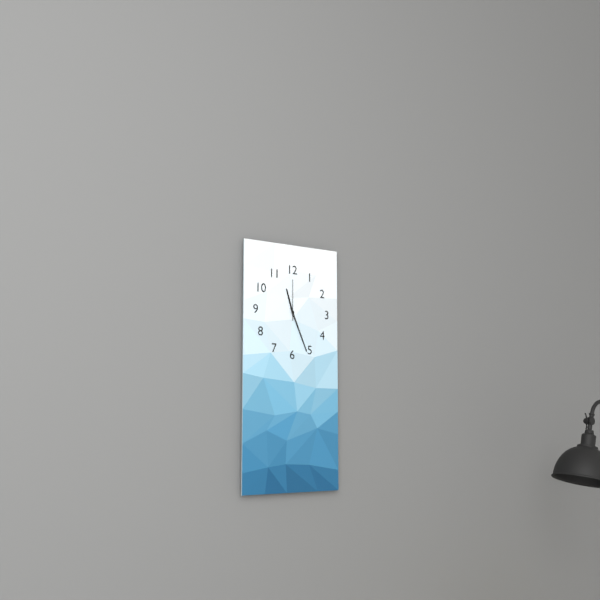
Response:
h=11 m=26
